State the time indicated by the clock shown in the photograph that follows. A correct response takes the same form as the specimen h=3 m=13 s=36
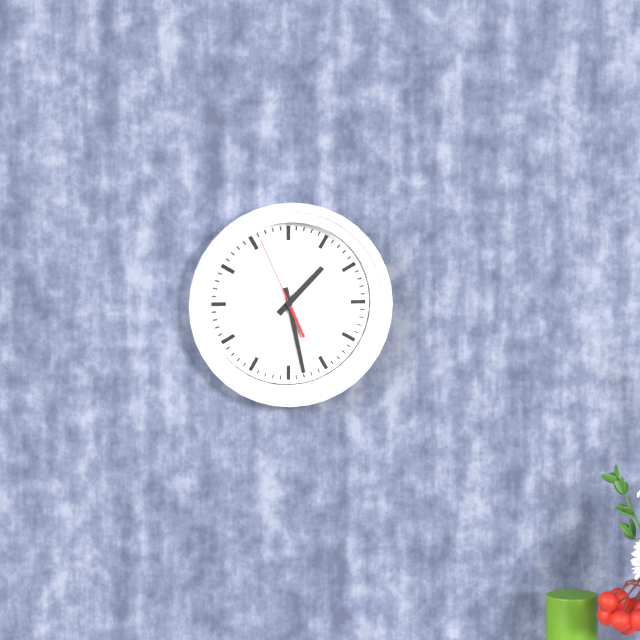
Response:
h=1 m=28 s=56
